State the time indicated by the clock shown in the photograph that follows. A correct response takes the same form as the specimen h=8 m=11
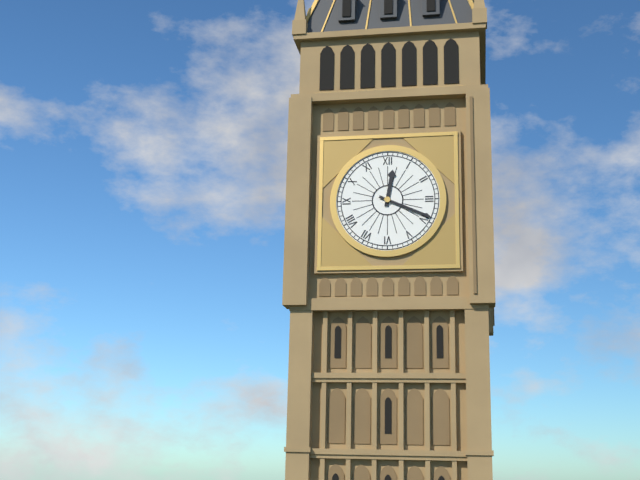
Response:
h=12 m=19
